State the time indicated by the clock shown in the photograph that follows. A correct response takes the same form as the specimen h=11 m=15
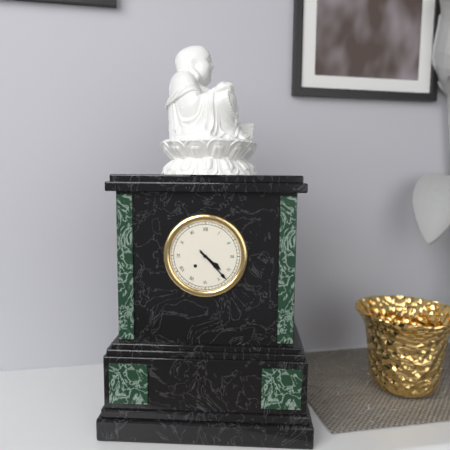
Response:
h=4 m=23
